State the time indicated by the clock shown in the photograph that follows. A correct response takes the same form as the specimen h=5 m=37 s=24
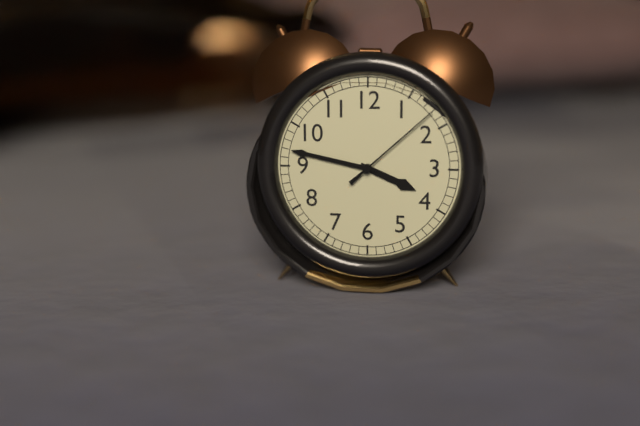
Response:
h=3 m=47 s=8
